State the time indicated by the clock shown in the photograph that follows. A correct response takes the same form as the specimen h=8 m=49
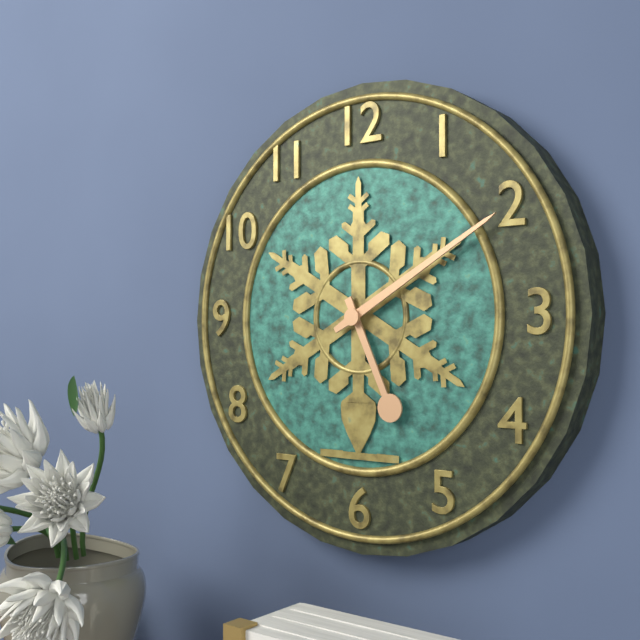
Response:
h=5 m=10
